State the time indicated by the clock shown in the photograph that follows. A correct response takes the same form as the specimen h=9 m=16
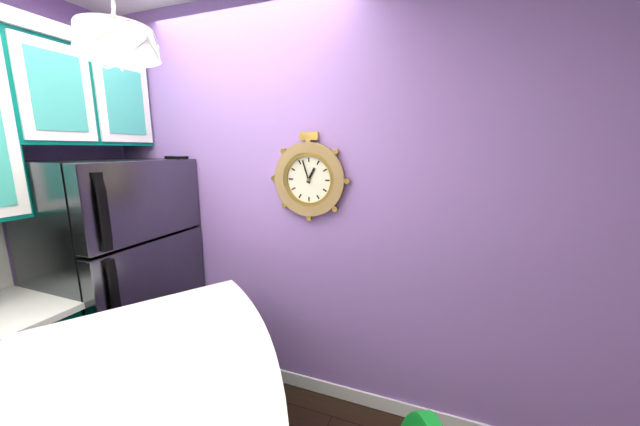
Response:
h=12 m=57
